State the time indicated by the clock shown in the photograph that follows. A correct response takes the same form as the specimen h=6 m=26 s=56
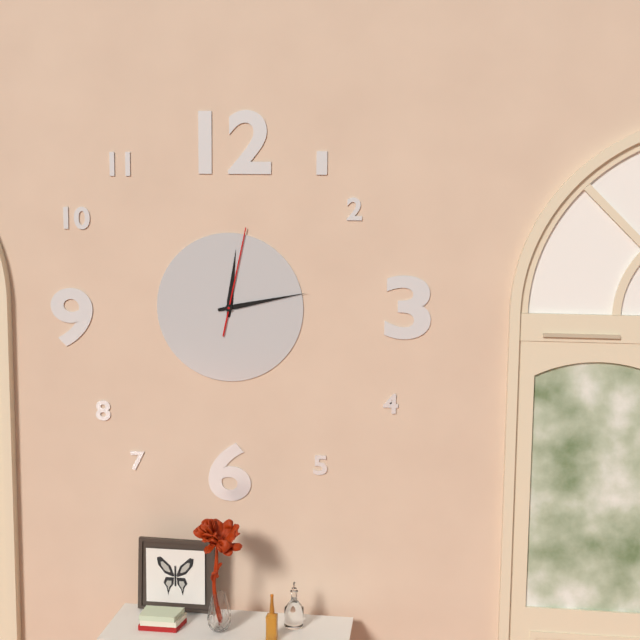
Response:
h=12 m=13 s=2
